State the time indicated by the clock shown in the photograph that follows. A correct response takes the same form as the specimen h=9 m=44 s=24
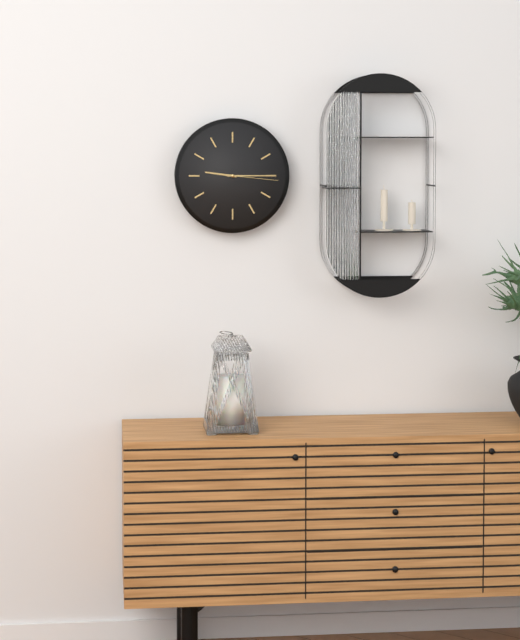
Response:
h=9 m=15 s=16
